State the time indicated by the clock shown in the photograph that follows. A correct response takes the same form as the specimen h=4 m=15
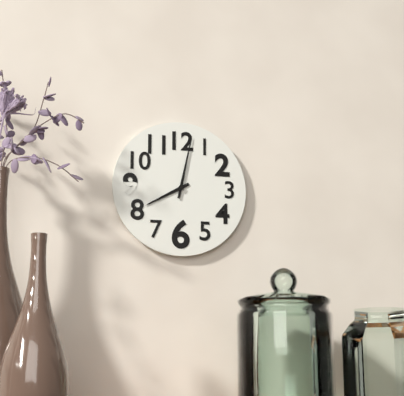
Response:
h=8 m=2
